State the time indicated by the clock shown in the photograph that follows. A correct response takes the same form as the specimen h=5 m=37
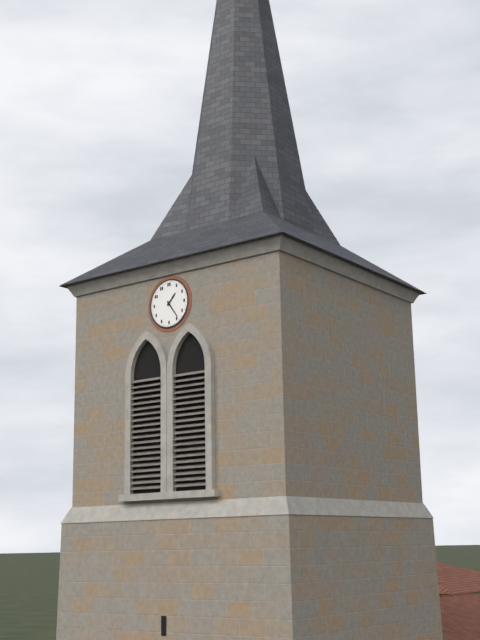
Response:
h=1 m=24
